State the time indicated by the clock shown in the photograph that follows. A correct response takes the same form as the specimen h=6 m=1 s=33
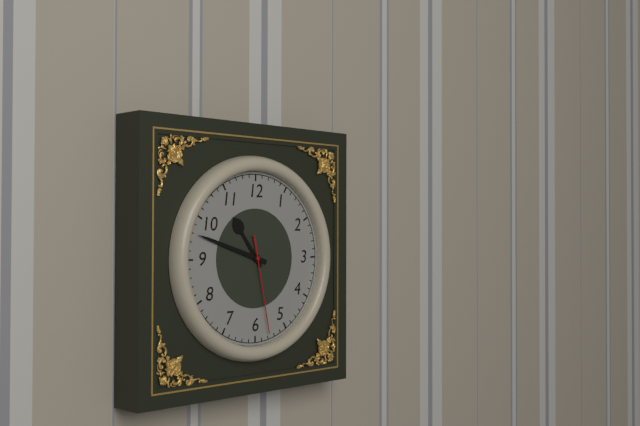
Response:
h=10 m=48 s=28
